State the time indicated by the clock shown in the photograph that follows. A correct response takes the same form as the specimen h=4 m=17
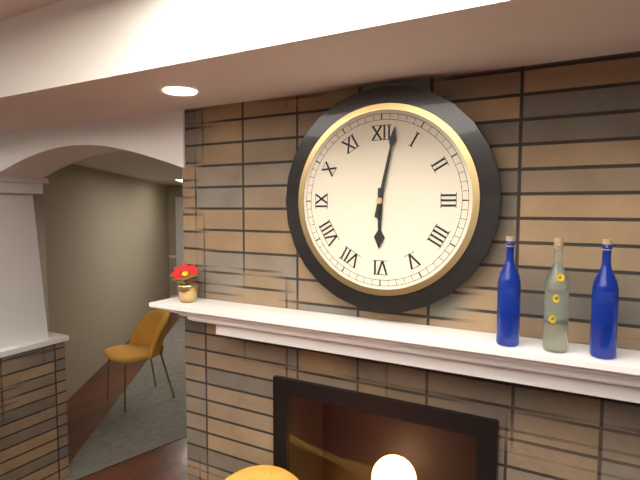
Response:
h=6 m=2
